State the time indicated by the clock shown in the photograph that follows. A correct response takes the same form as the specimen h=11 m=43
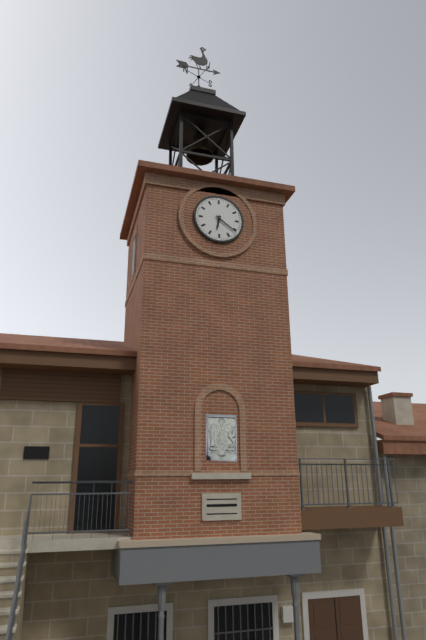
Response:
h=6 m=21
